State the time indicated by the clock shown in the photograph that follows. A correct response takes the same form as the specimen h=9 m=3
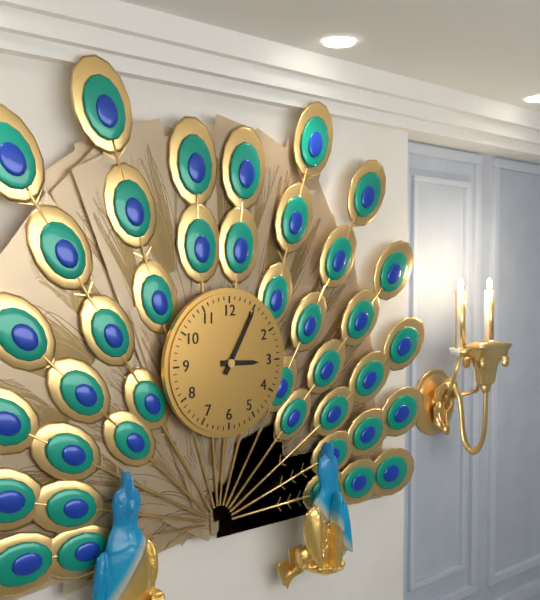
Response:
h=3 m=5
